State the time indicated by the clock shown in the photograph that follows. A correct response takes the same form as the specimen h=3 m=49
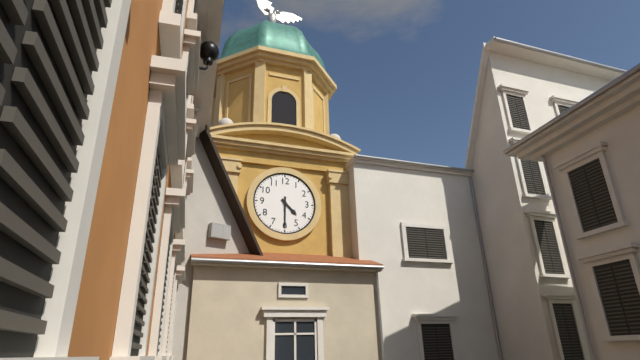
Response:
h=4 m=30
